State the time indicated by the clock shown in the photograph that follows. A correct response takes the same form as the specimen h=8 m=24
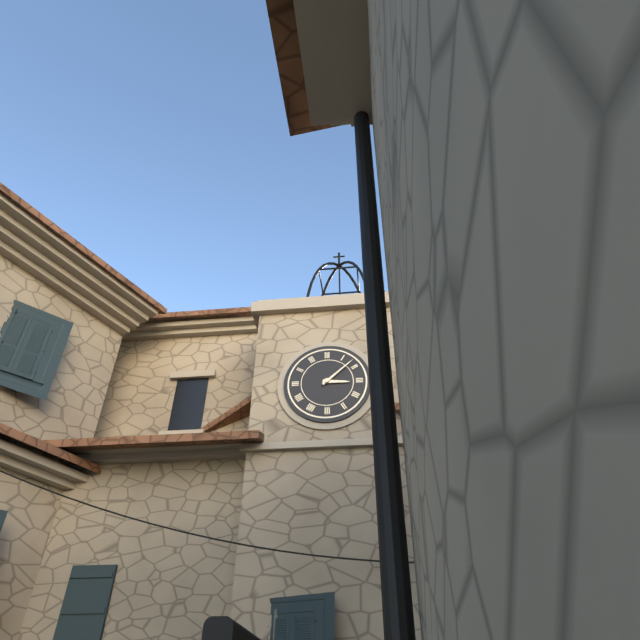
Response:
h=3 m=8
